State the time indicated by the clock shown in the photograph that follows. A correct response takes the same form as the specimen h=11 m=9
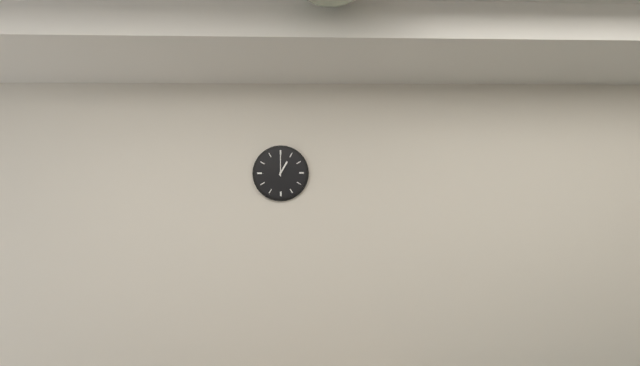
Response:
h=1 m=0
